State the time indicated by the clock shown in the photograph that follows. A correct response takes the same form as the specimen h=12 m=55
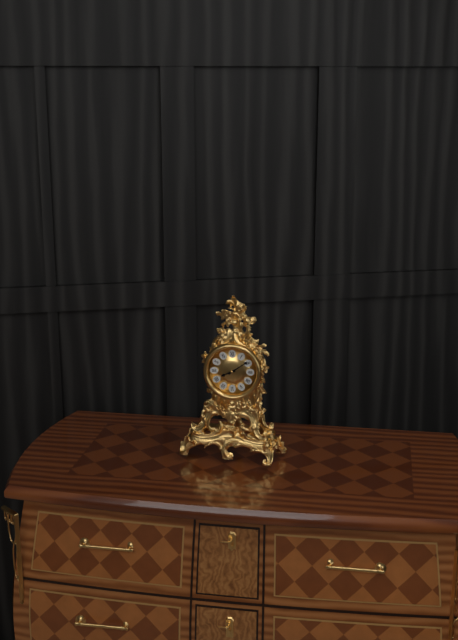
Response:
h=8 m=9
